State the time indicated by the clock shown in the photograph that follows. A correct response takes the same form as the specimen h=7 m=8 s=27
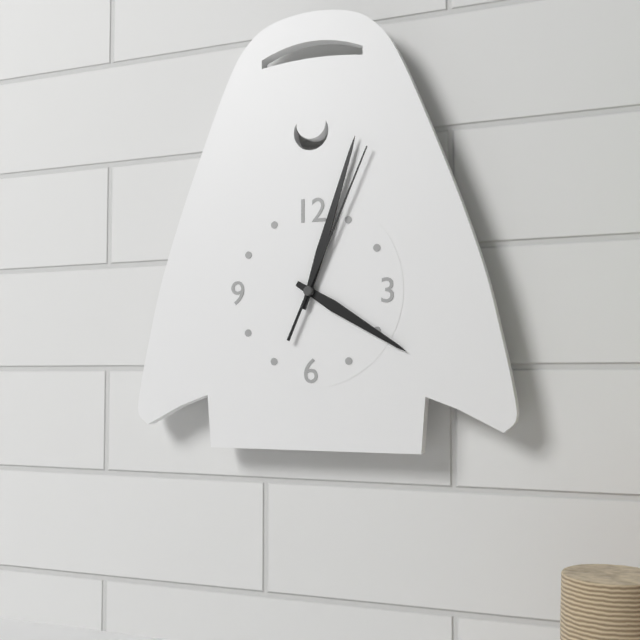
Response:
h=4 m=3 s=4
